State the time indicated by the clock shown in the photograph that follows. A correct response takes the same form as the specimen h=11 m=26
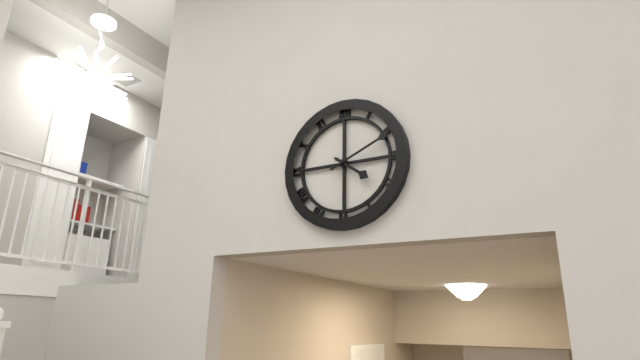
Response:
h=4 m=11
